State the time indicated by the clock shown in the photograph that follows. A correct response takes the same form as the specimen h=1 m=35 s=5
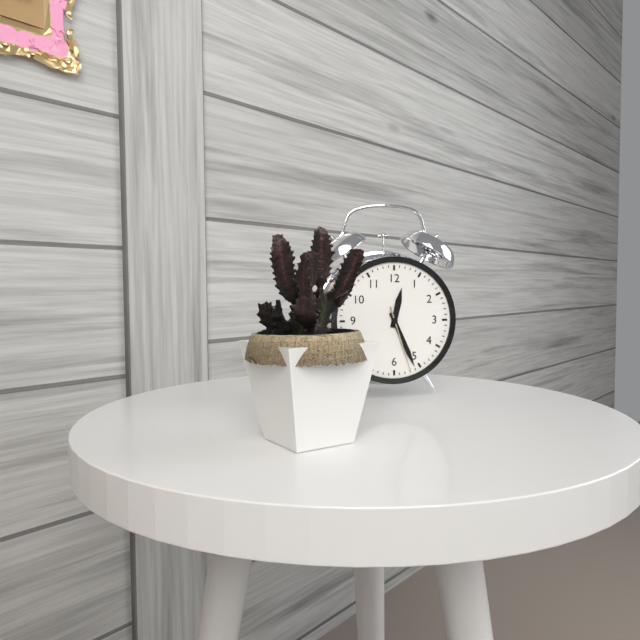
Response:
h=12 m=26 s=27
